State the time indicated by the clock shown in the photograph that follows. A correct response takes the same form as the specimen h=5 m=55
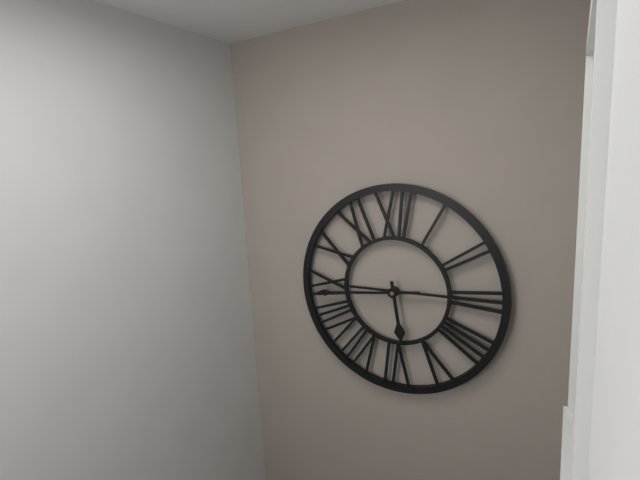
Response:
h=5 m=44
